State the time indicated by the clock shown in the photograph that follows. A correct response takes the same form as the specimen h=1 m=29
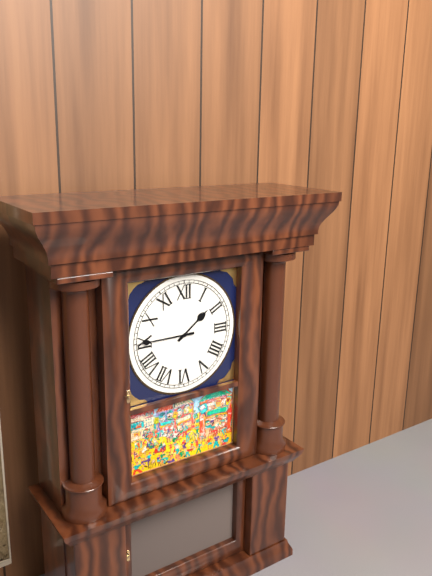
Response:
h=1 m=45
